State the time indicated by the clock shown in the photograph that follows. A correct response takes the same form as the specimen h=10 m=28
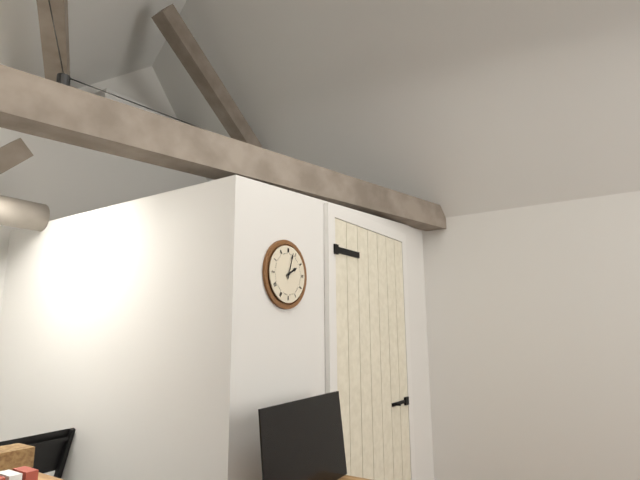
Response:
h=2 m=3
